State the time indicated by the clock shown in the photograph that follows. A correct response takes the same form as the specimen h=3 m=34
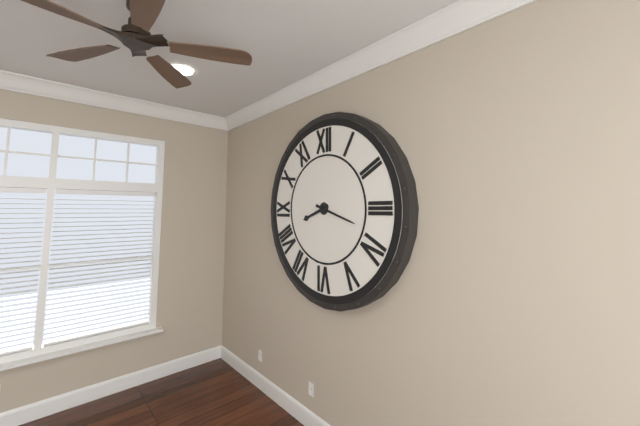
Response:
h=8 m=18
